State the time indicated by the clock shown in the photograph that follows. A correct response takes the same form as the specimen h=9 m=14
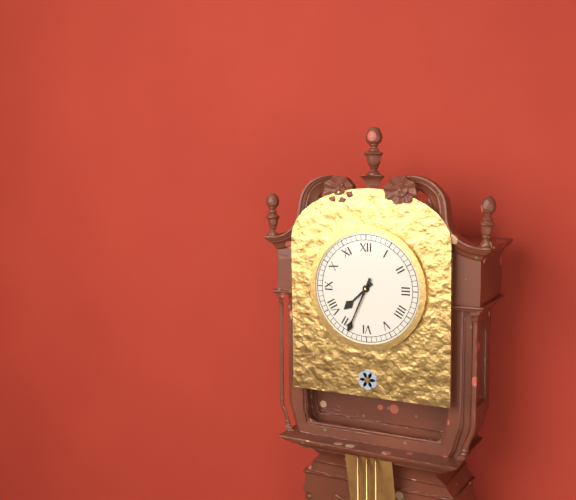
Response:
h=7 m=34
